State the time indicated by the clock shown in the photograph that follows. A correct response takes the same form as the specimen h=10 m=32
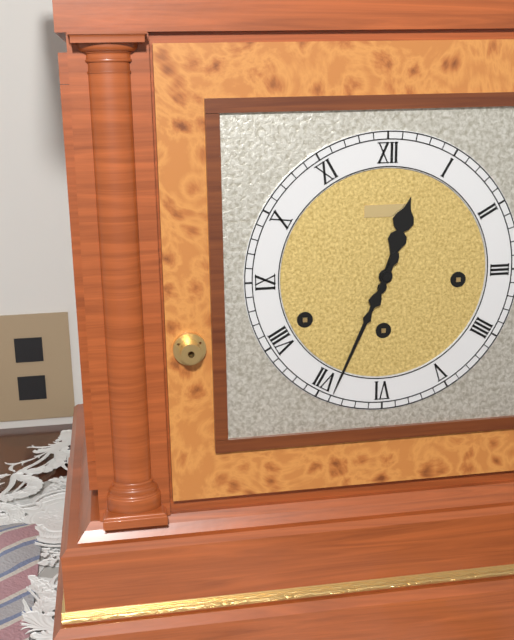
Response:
h=12 m=34
